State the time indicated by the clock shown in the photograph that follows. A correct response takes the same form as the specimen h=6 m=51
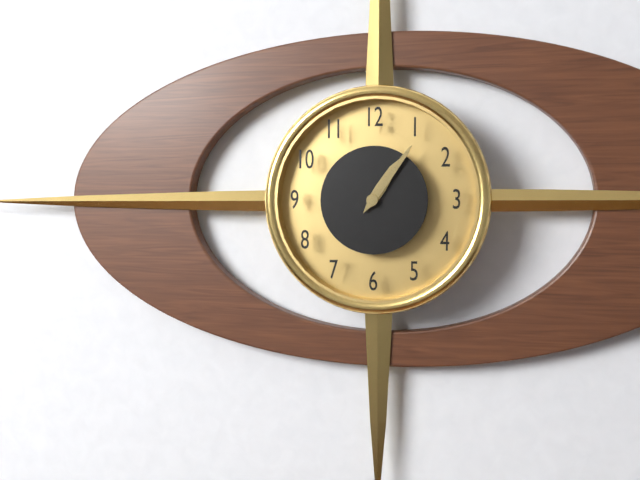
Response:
h=1 m=6
